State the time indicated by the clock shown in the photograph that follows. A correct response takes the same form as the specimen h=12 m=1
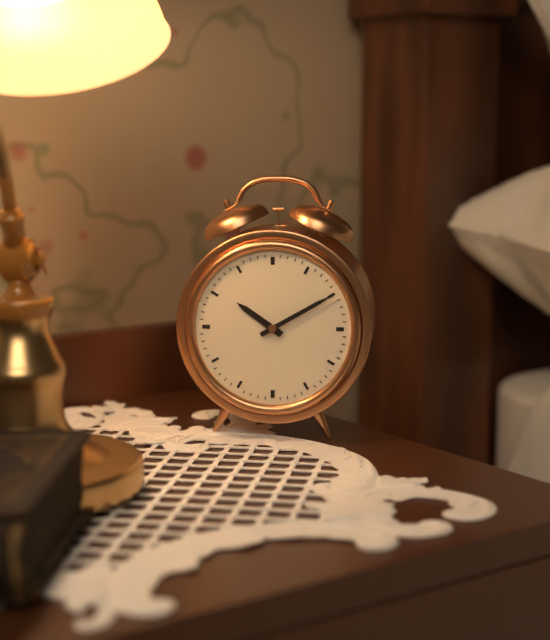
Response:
h=10 m=10
